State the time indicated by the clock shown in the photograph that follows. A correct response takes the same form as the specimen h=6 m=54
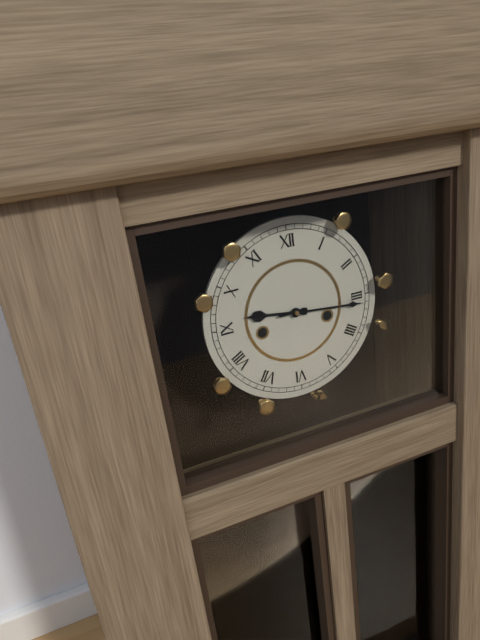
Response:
h=9 m=16
